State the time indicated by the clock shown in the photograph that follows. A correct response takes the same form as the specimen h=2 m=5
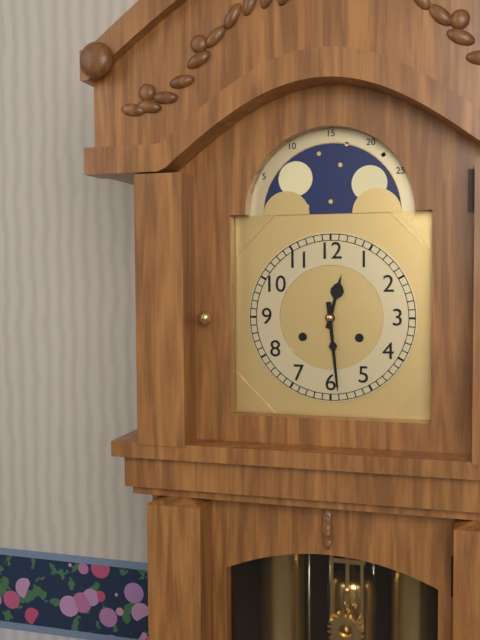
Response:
h=12 m=29
